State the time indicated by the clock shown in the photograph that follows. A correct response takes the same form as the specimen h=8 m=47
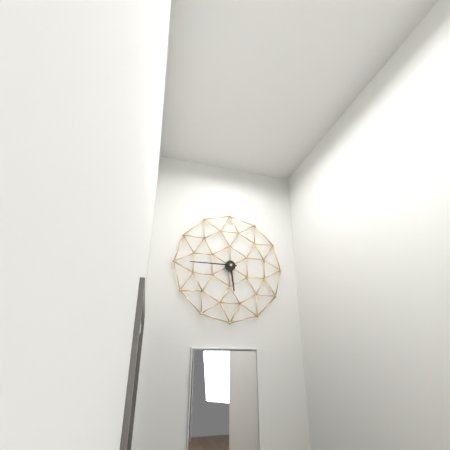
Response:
h=5 m=45
